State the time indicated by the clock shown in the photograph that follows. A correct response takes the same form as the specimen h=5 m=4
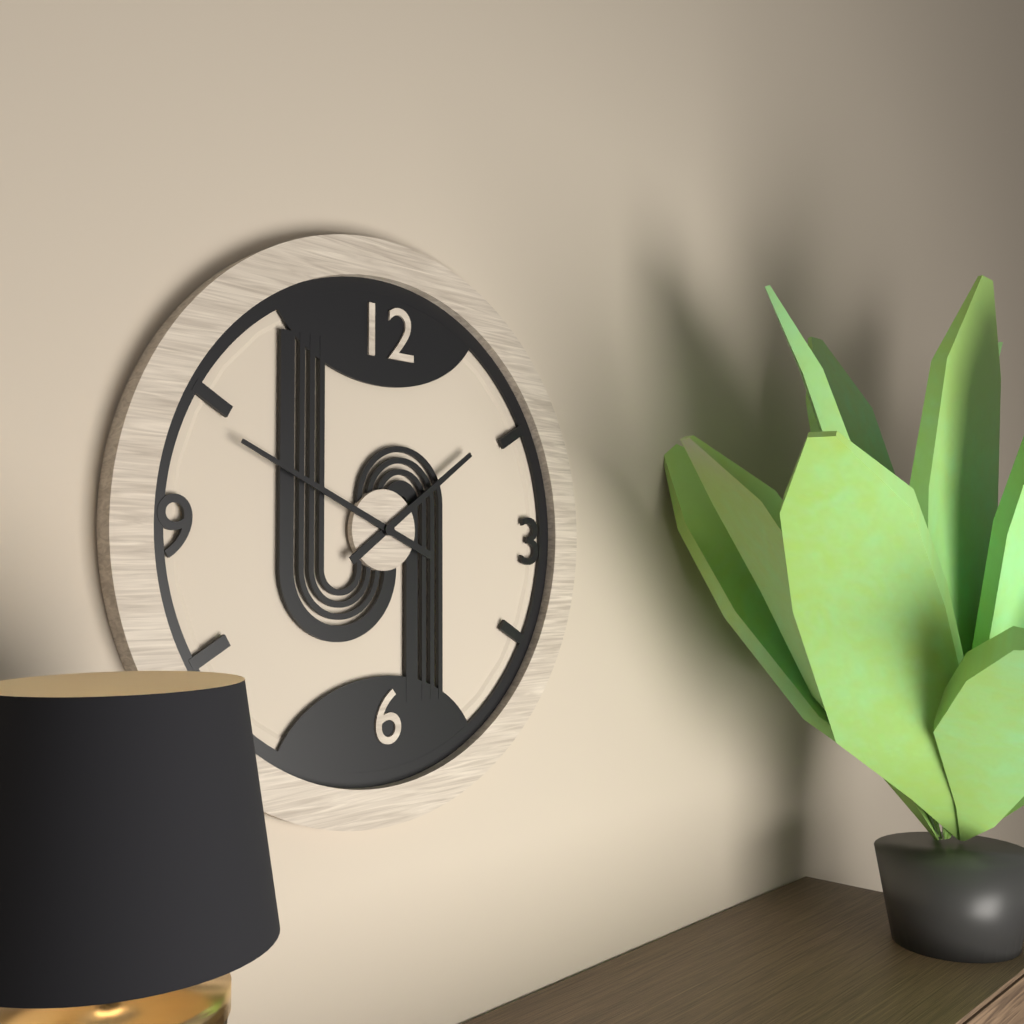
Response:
h=1 m=49
